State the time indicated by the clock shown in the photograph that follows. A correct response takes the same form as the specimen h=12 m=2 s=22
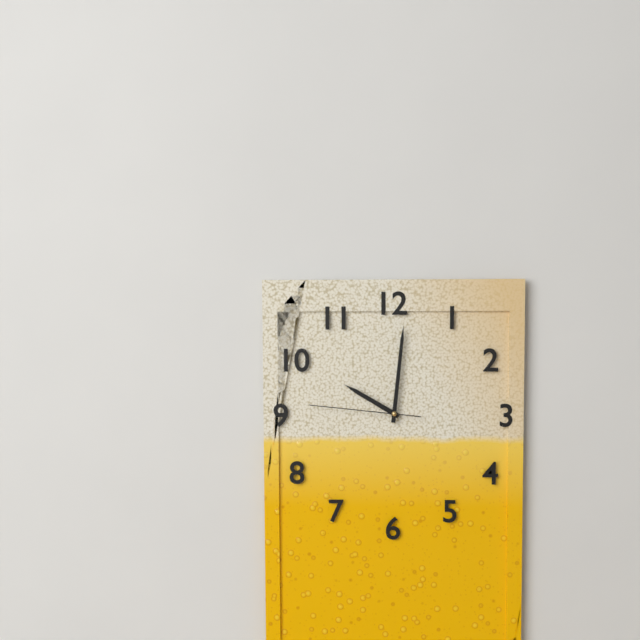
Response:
h=10 m=1 s=46
